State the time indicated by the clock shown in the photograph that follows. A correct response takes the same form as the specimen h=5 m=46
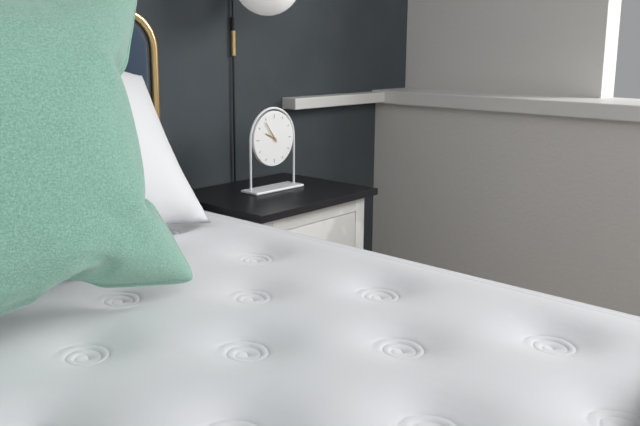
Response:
h=9 m=54
